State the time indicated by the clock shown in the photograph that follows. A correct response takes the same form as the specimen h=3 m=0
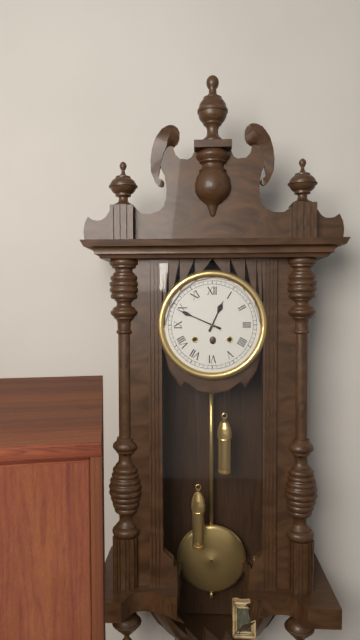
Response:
h=12 m=49
